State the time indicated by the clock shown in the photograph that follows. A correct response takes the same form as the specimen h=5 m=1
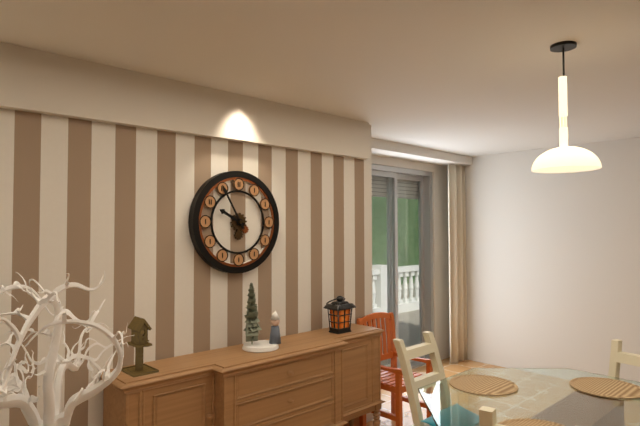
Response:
h=9 m=55
